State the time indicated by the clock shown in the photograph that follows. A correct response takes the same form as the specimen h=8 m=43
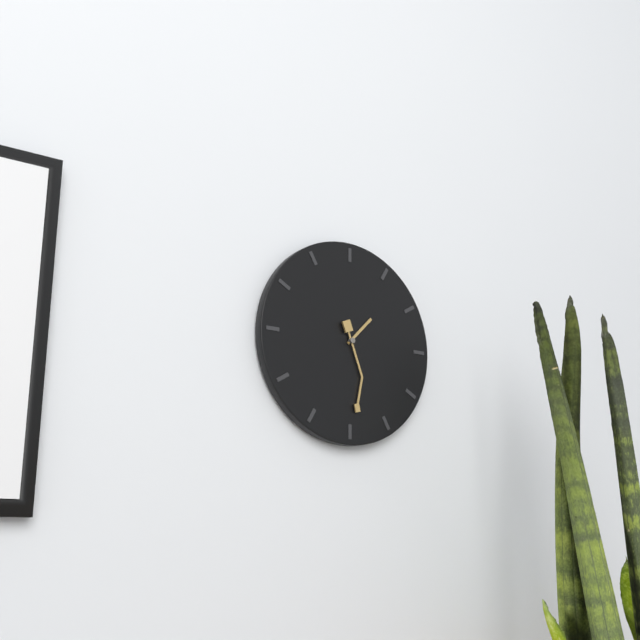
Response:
h=1 m=29
